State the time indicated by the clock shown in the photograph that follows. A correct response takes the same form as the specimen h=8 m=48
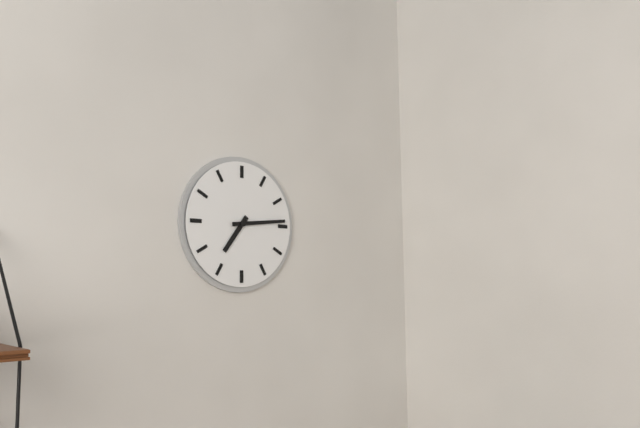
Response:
h=7 m=14
